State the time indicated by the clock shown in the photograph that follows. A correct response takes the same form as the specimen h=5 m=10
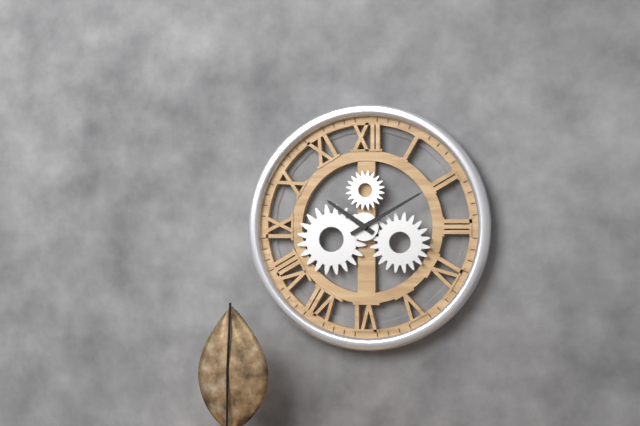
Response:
h=10 m=10
